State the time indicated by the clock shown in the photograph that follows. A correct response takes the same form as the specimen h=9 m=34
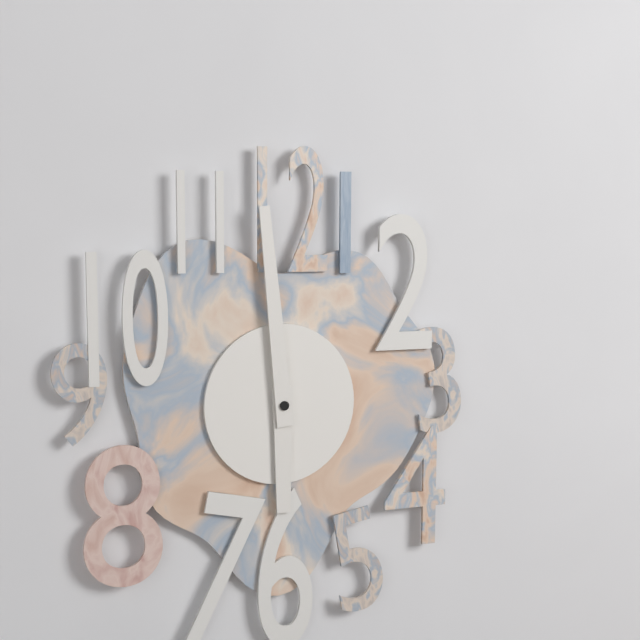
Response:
h=5 m=59
